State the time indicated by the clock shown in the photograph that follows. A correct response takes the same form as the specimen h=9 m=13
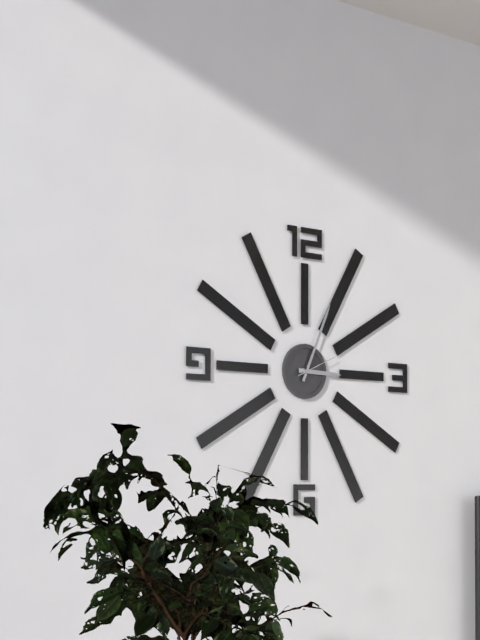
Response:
h=3 m=4
